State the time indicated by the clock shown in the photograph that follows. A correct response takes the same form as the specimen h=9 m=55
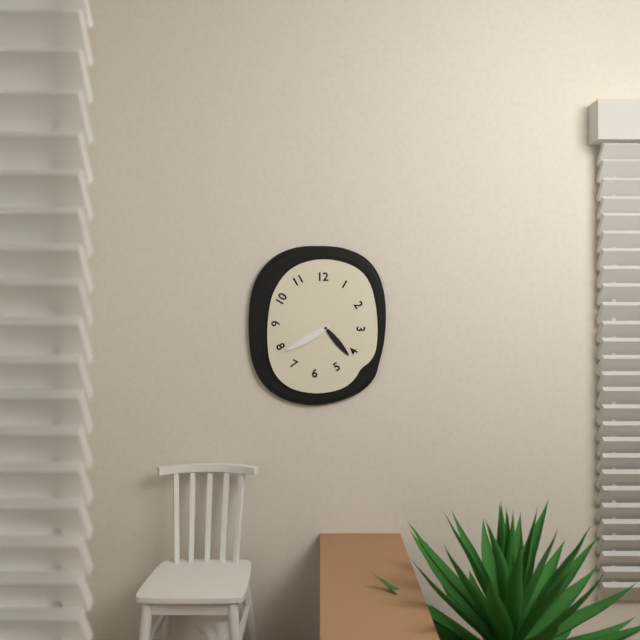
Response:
h=4 m=40
